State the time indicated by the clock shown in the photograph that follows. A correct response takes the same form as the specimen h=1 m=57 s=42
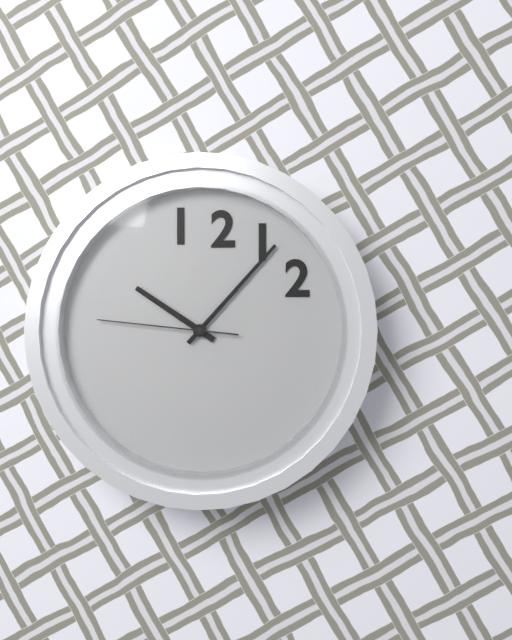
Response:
h=10 m=7 s=46
